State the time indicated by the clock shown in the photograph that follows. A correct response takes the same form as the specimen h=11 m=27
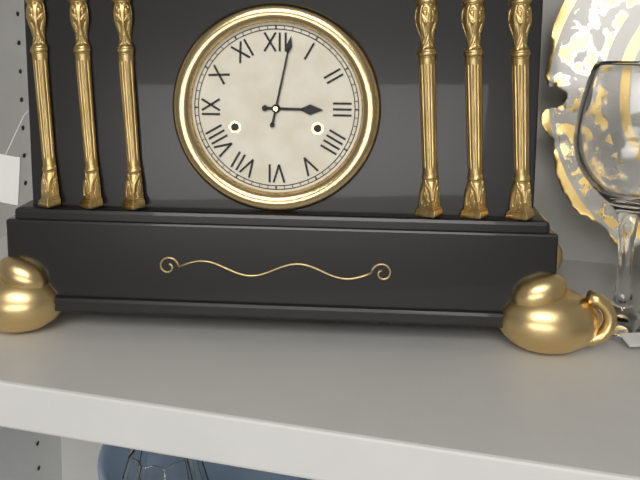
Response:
h=3 m=2
